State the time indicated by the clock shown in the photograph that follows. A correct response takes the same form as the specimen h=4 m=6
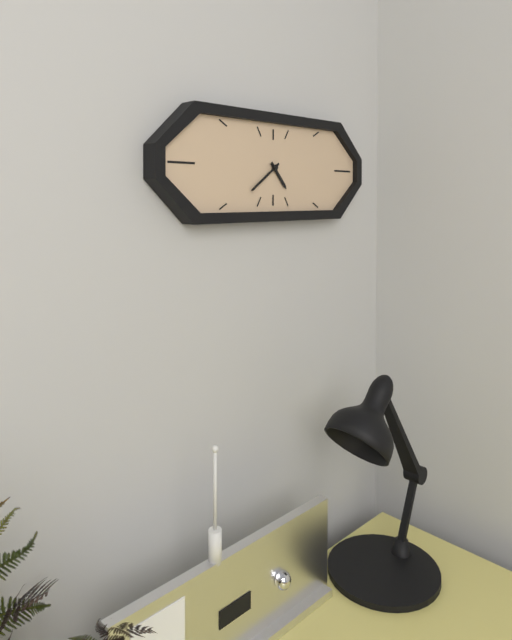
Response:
h=4 m=39
